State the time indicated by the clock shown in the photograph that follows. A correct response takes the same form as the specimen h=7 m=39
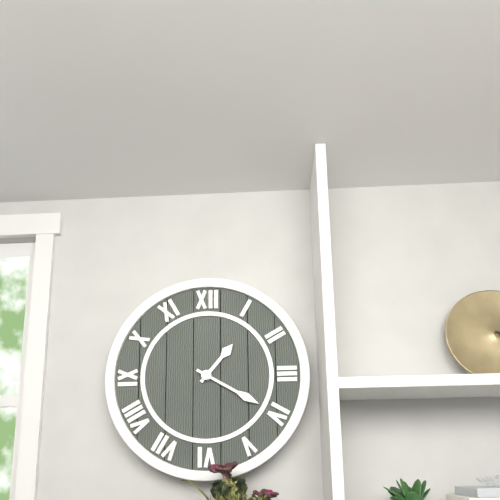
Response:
h=1 m=20
